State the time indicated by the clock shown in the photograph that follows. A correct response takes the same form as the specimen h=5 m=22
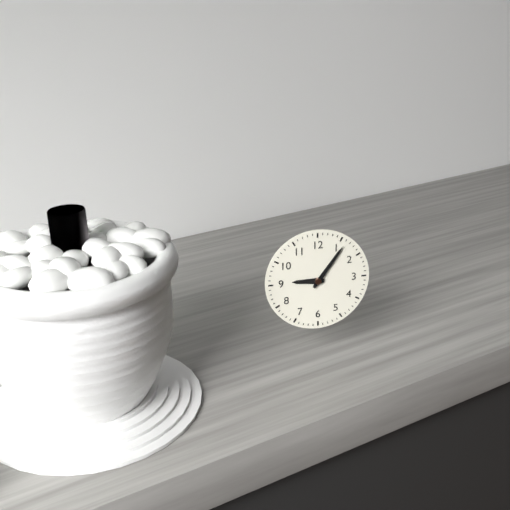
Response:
h=9 m=6
